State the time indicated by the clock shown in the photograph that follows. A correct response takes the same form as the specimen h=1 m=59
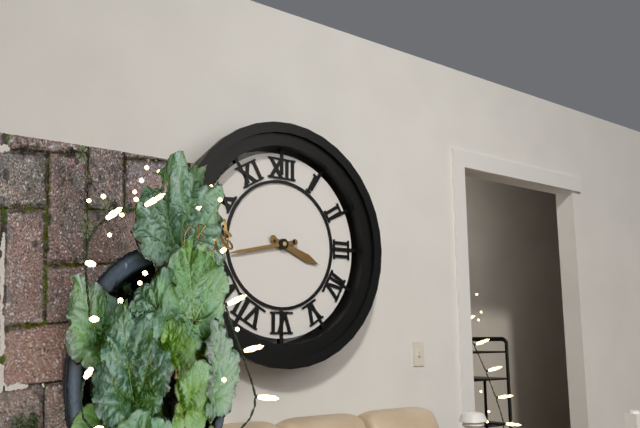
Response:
h=3 m=43
